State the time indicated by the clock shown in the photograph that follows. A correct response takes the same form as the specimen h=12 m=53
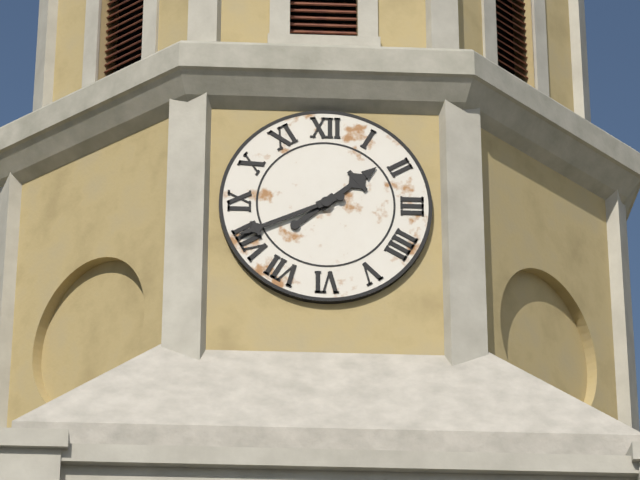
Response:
h=1 m=41
